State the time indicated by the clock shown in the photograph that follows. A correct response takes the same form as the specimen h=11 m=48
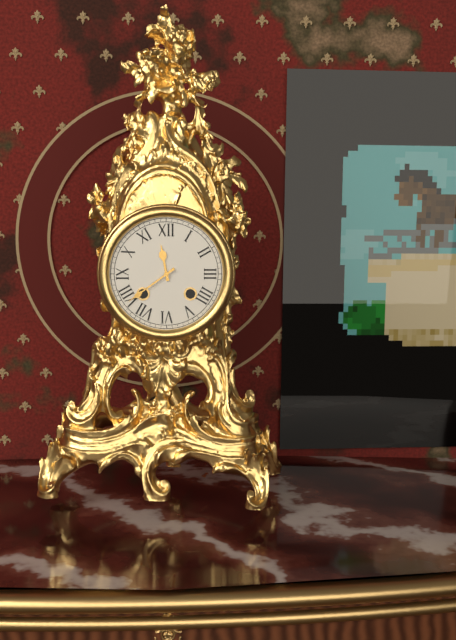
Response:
h=11 m=39
